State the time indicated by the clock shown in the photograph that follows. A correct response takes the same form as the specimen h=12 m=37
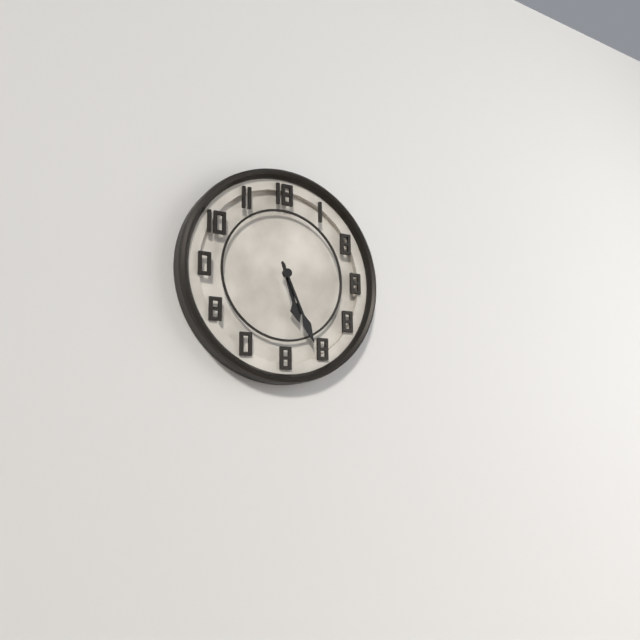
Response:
h=5 m=26
